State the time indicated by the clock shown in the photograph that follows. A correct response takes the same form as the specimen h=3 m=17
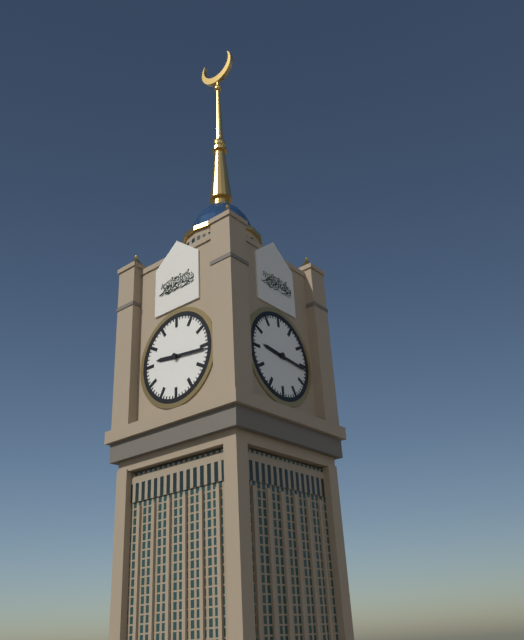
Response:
h=9 m=16
